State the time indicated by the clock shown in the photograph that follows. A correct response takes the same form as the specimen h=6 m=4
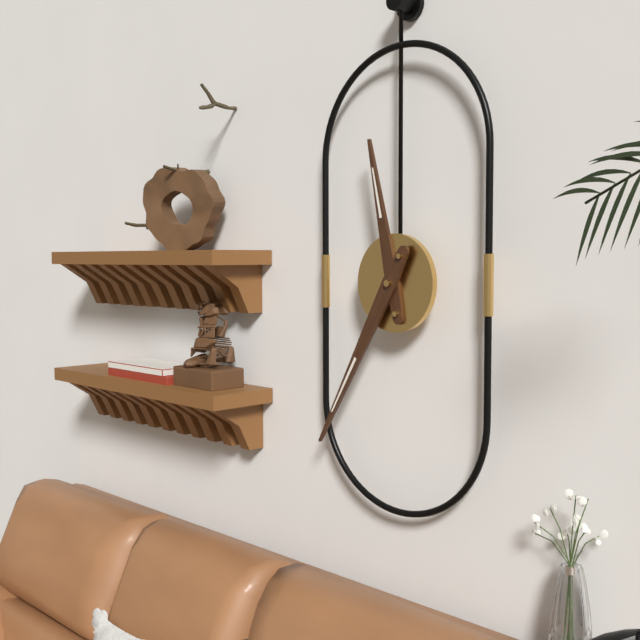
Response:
h=11 m=35
